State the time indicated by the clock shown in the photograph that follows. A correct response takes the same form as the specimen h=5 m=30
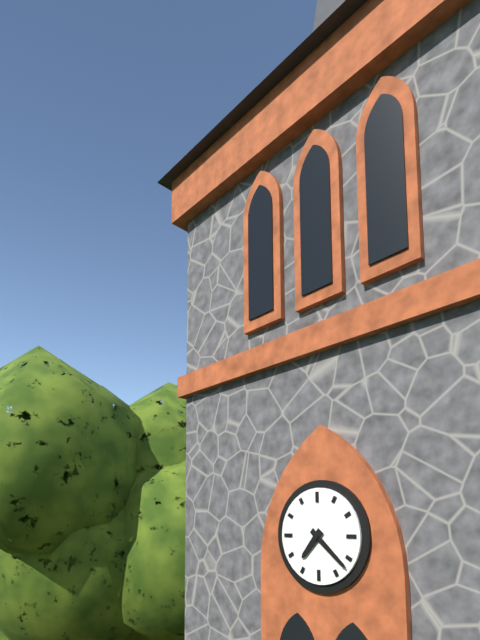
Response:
h=7 m=22
